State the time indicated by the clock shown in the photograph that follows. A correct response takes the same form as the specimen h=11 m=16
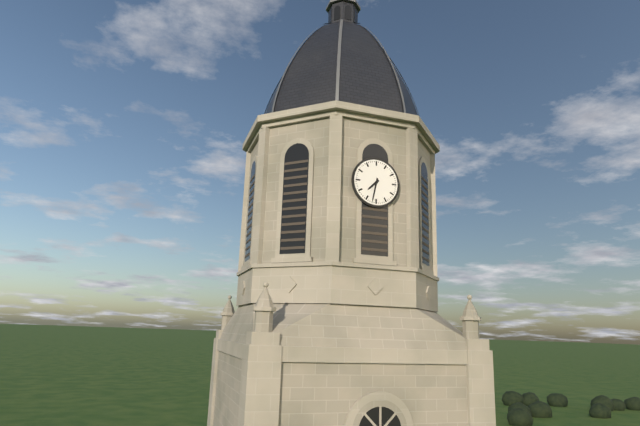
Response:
h=7 m=32
